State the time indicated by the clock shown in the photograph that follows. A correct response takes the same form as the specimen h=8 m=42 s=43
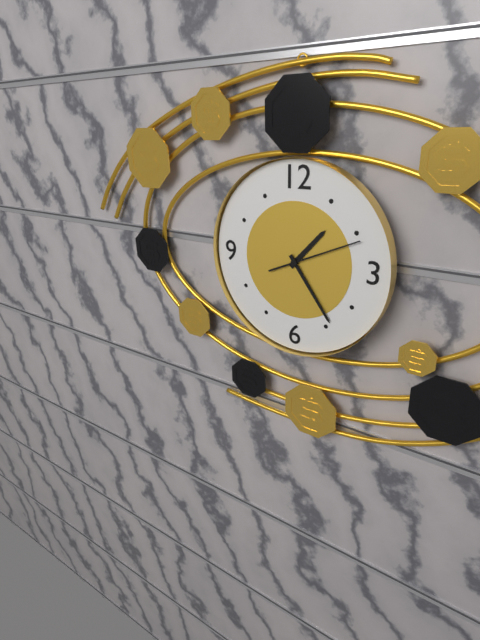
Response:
h=1 m=24 s=11
